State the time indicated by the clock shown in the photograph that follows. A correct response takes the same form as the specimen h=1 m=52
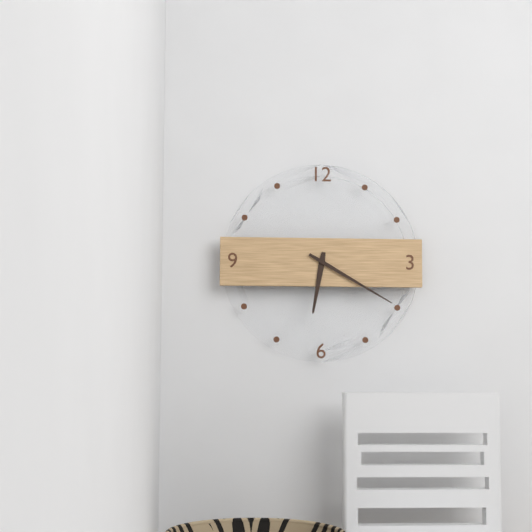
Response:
h=6 m=20
